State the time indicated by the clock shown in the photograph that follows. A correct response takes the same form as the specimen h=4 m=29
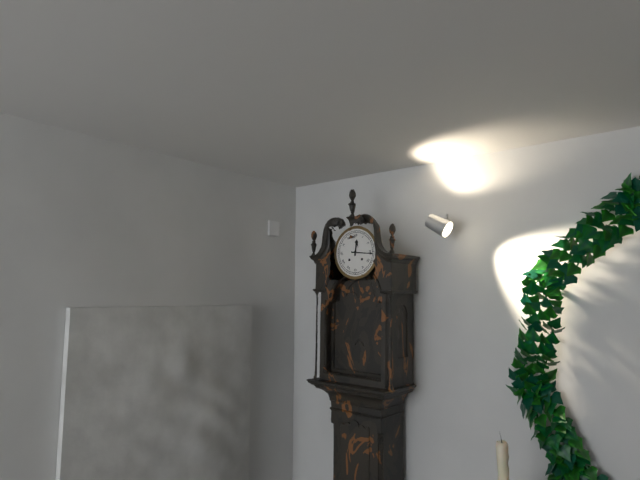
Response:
h=12 m=16
